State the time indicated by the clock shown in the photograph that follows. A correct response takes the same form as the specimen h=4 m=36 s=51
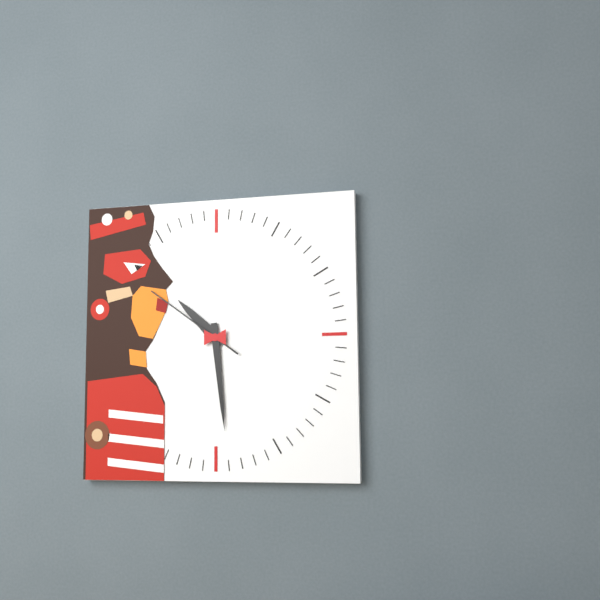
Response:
h=10 m=29 s=51
